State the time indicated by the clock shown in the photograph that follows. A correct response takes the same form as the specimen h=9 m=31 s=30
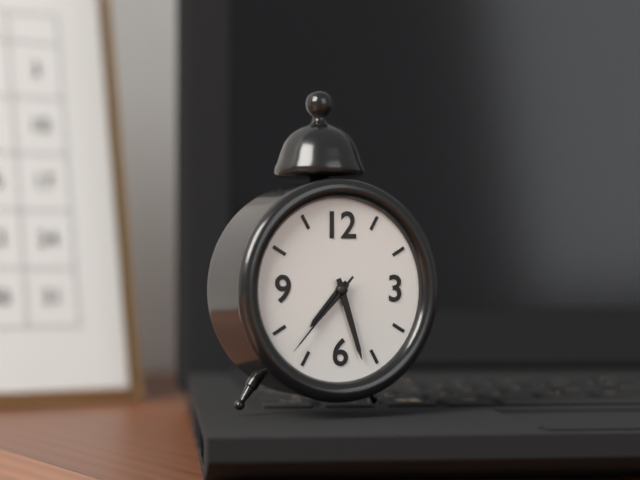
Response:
h=7 m=27 s=37
